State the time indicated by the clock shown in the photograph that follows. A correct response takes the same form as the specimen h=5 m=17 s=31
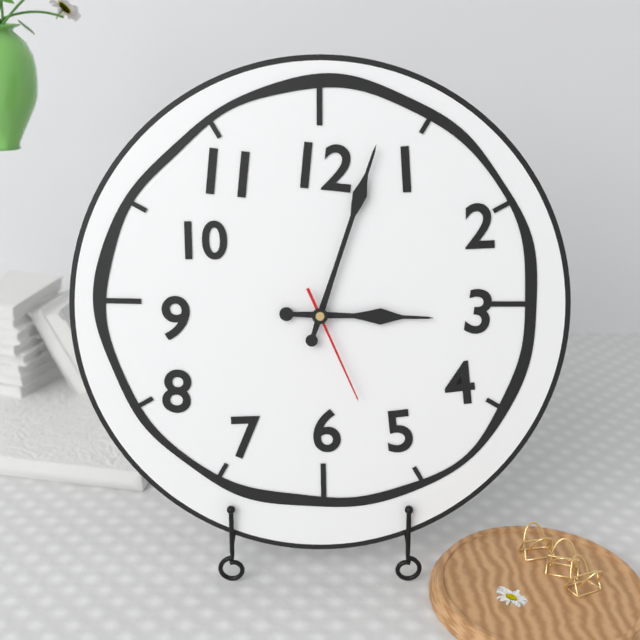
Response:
h=3 m=3 s=26
